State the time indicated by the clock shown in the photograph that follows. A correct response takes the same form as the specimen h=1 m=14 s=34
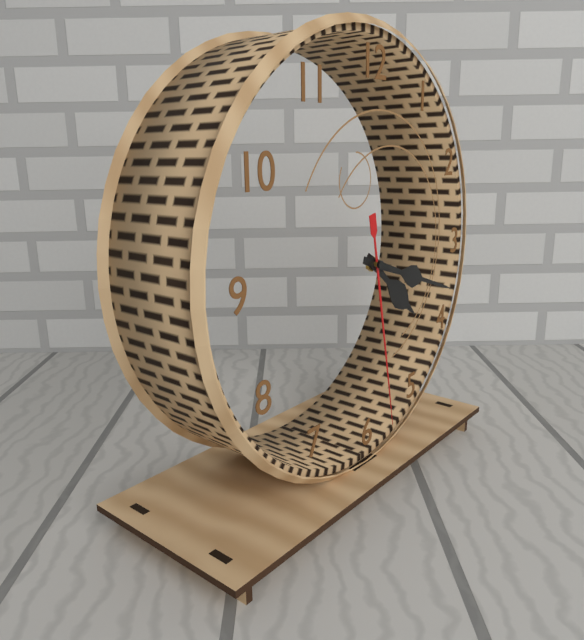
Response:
h=4 m=18 s=28
